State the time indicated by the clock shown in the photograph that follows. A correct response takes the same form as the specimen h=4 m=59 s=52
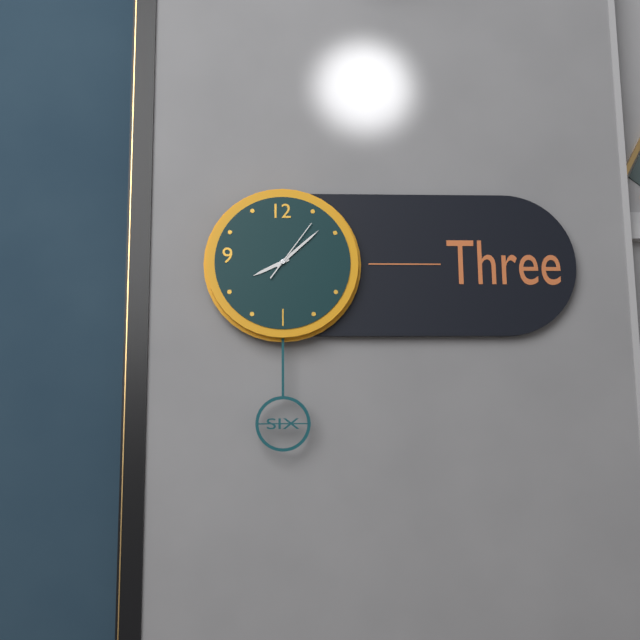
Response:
h=8 m=8 s=6
